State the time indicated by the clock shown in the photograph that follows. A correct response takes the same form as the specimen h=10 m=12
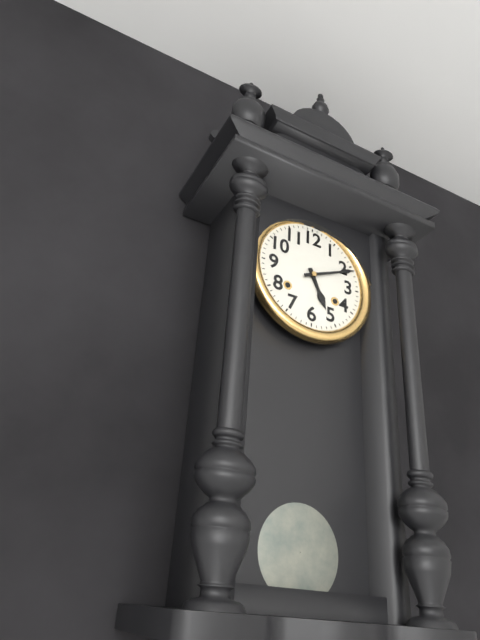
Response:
h=5 m=11
